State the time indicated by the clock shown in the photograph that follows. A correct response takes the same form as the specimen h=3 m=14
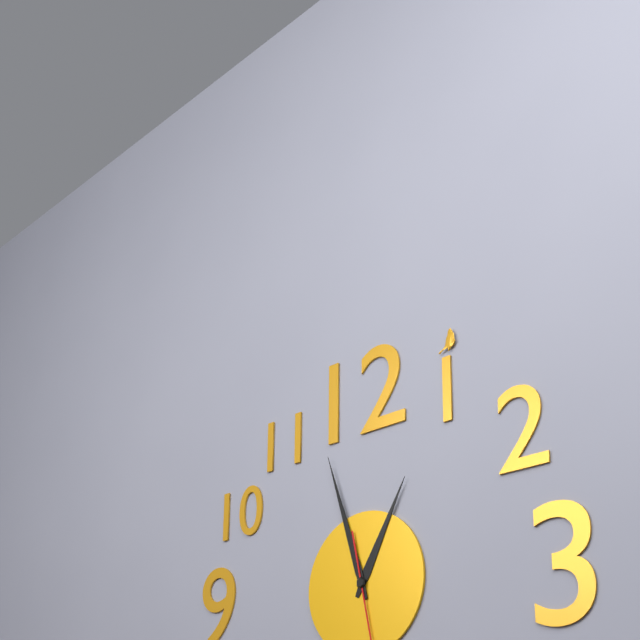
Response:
h=12 m=57
